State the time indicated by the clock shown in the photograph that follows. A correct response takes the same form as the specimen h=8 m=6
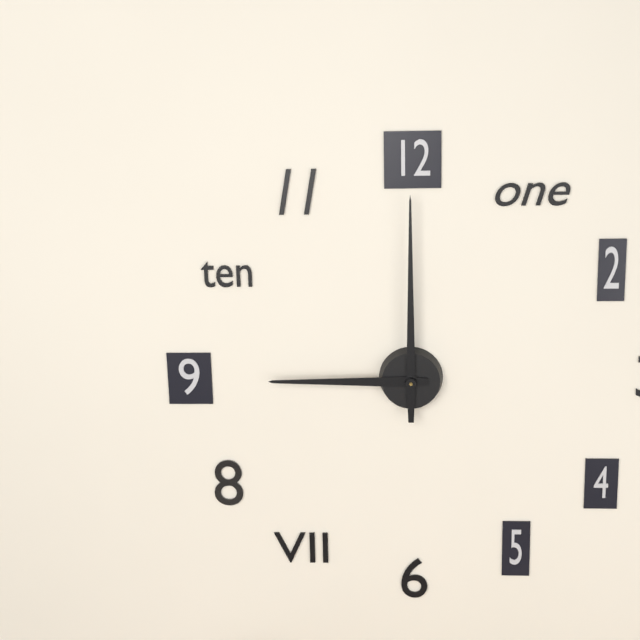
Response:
h=9 m=0
